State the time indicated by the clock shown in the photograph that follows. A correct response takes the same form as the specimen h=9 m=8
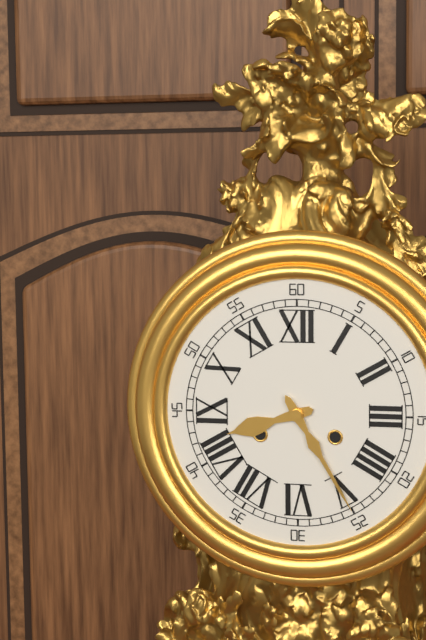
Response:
h=8 m=25
